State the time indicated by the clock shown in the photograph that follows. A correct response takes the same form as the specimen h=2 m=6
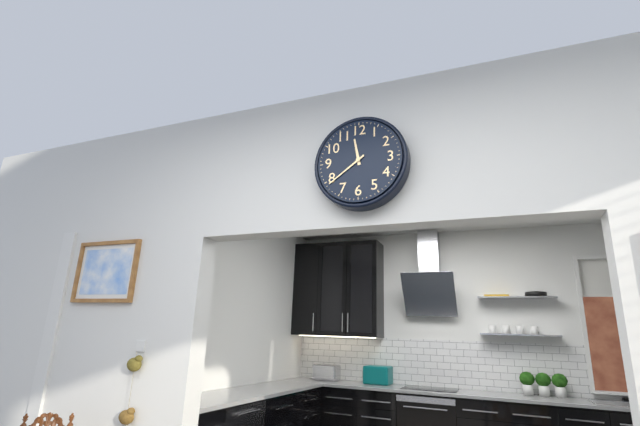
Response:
h=11 m=39
